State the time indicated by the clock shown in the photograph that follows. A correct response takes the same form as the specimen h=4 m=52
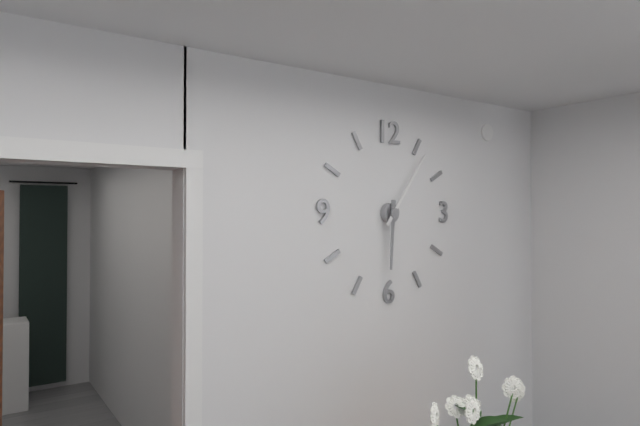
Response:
h=6 m=6
